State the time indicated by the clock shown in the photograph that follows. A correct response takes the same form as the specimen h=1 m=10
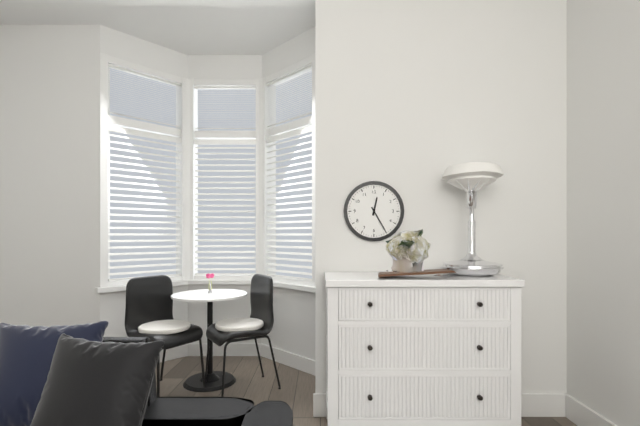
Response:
h=12 m=25
